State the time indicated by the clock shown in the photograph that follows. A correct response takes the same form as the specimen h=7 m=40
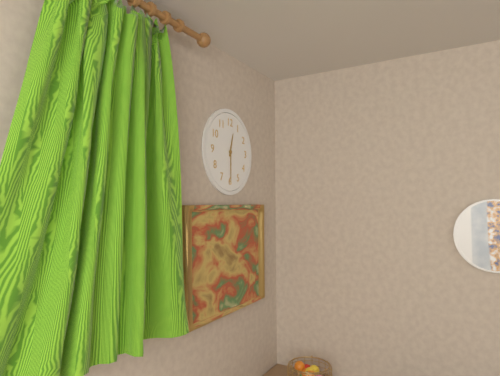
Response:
h=12 m=30
